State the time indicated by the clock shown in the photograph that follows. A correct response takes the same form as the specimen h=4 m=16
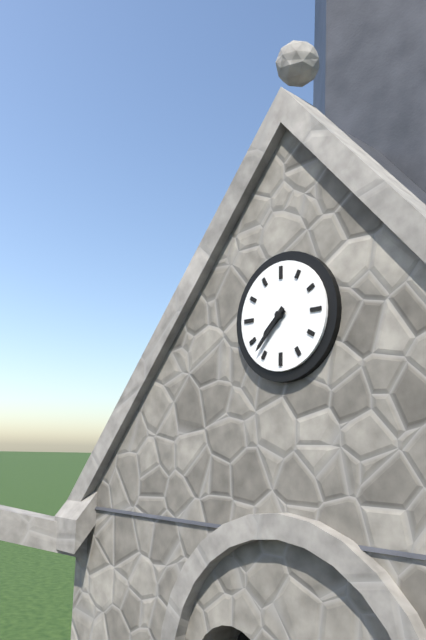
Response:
h=7 m=37
